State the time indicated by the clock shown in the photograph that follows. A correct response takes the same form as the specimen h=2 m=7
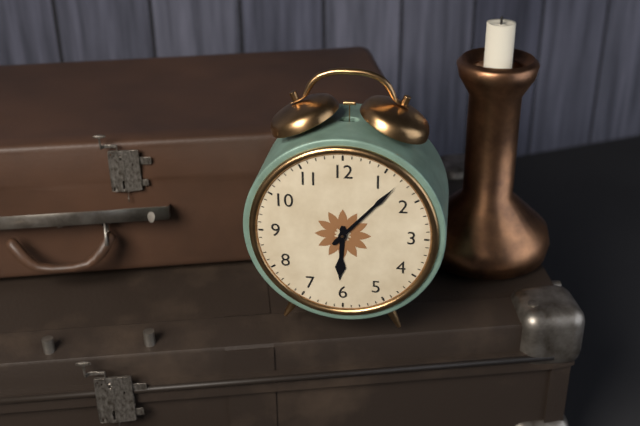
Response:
h=6 m=7
